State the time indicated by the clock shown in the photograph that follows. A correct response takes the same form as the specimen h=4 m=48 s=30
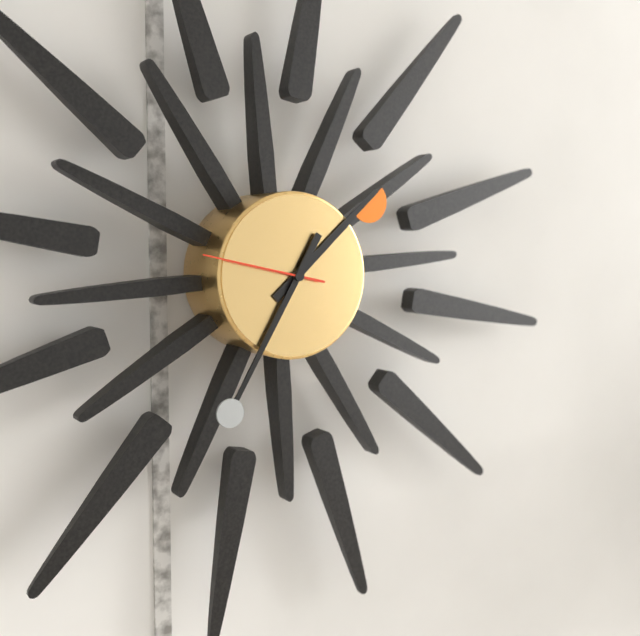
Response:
h=1 m=35 s=47
